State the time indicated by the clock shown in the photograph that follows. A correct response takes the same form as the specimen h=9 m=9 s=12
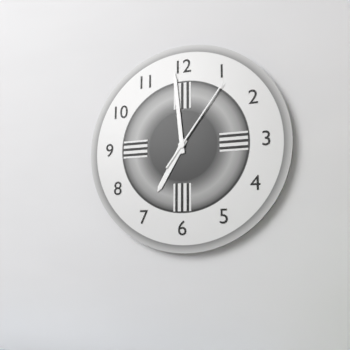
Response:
h=6 m=59 s=6
